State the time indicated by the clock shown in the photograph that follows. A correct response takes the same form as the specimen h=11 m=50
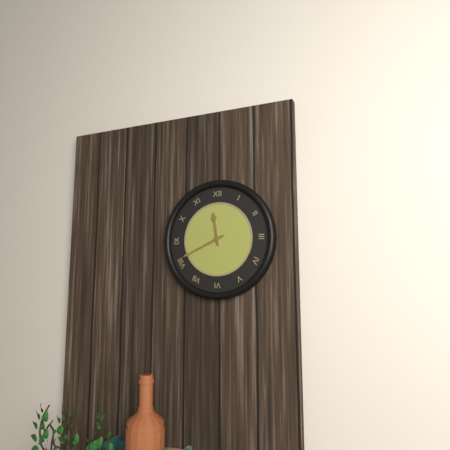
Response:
h=11 m=41
